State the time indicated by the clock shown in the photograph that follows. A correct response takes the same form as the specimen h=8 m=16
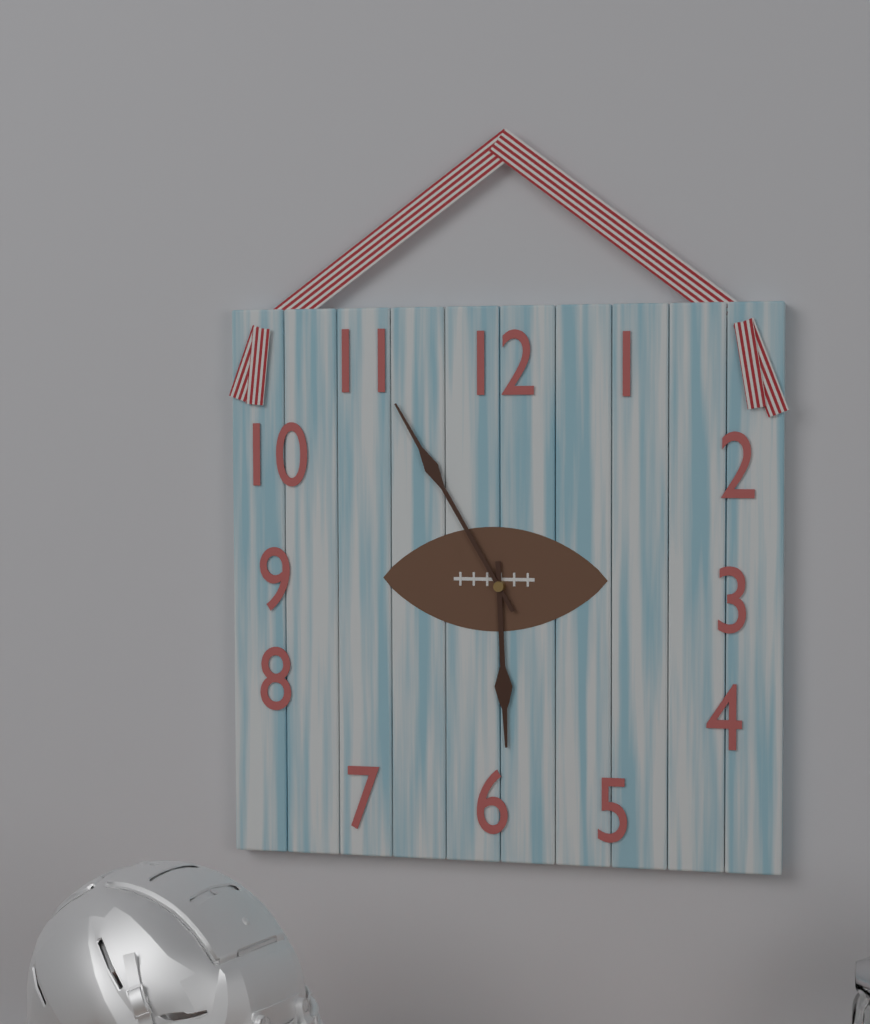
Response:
h=5 m=55
